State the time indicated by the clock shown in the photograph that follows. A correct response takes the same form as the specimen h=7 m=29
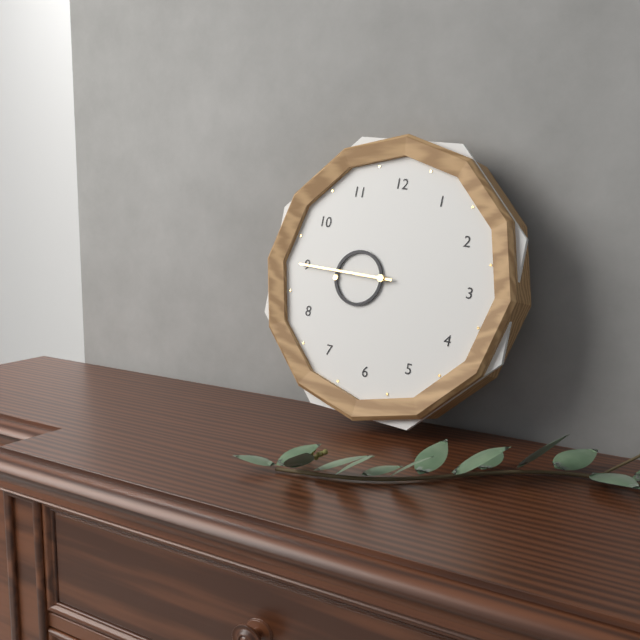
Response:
h=8 m=45
